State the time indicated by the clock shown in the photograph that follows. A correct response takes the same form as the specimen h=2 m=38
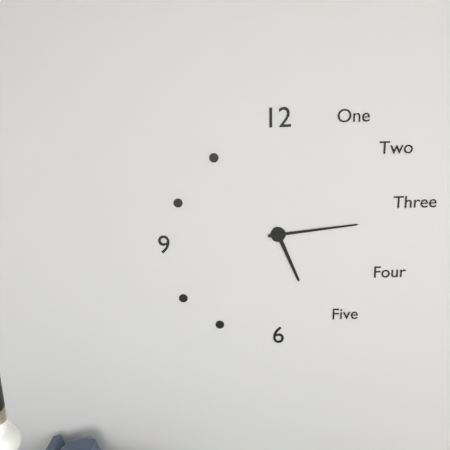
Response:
h=5 m=14
